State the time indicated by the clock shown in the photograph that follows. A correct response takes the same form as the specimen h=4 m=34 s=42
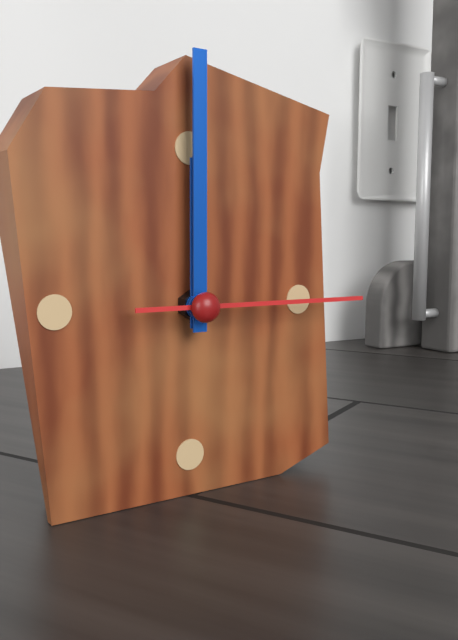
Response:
h=12 m=0 s=15
